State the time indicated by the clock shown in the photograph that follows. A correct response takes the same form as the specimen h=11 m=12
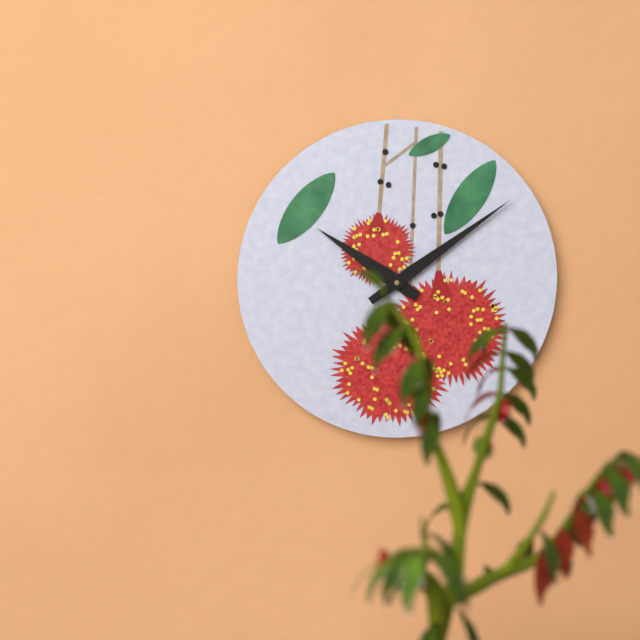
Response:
h=10 m=9
